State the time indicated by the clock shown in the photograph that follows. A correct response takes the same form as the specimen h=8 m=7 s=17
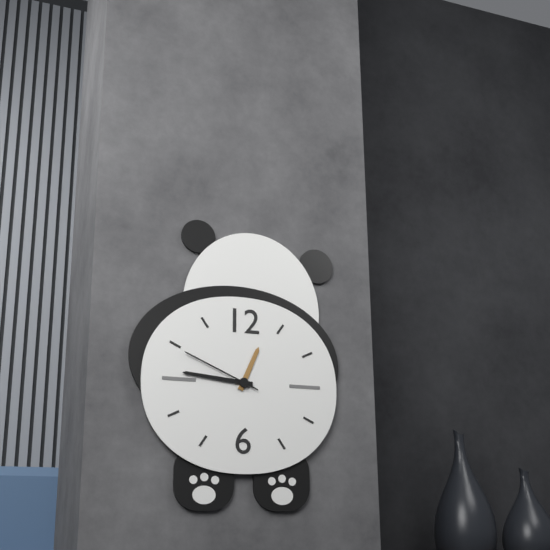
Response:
h=12 m=46 s=49
